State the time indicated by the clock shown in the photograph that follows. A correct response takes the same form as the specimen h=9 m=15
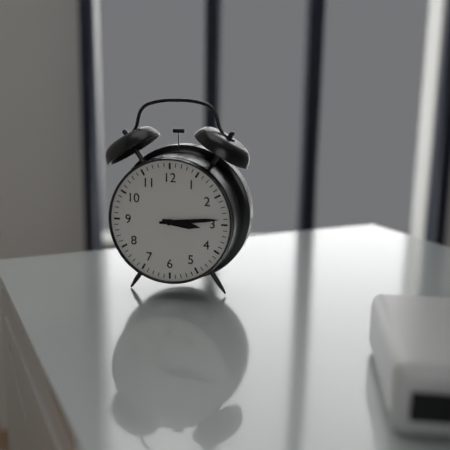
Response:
h=3 m=14
